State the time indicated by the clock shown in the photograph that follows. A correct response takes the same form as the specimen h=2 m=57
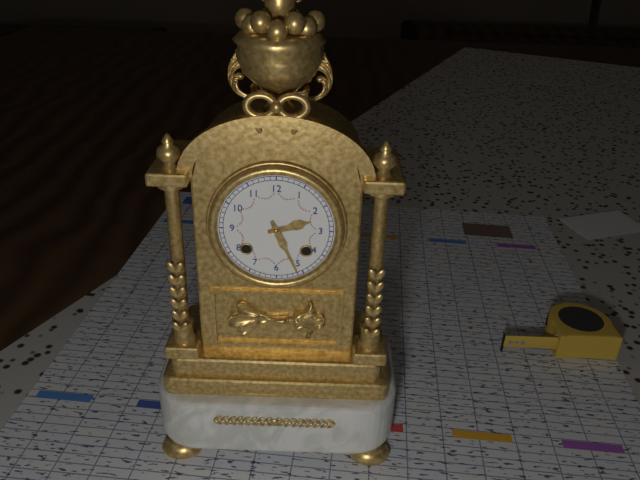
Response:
h=2 m=26
